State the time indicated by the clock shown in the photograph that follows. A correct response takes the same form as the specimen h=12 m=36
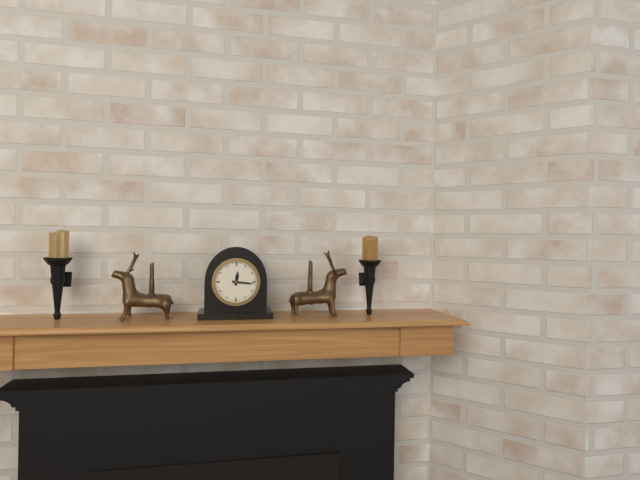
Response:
h=12 m=16
